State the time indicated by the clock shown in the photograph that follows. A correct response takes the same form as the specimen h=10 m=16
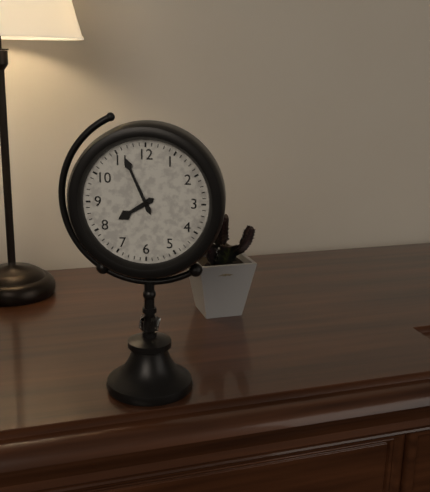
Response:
h=7 m=56
